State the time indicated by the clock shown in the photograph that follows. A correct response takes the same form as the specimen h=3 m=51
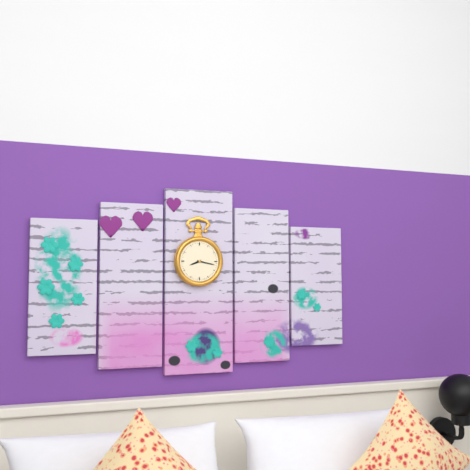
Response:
h=8 m=17
